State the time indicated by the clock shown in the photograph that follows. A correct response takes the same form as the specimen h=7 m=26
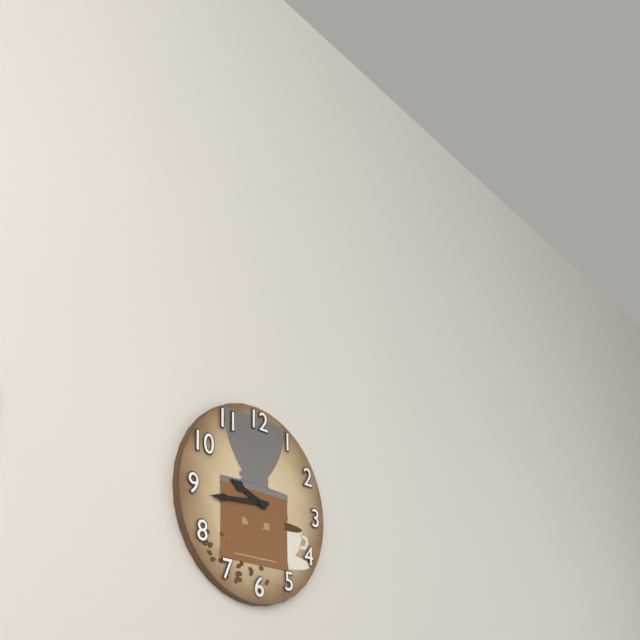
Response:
h=9 m=44
